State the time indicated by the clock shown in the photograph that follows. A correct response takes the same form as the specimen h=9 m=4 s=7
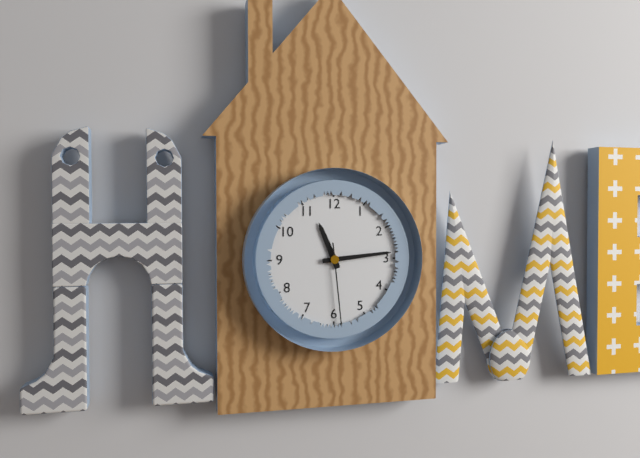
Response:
h=11 m=14 s=29
